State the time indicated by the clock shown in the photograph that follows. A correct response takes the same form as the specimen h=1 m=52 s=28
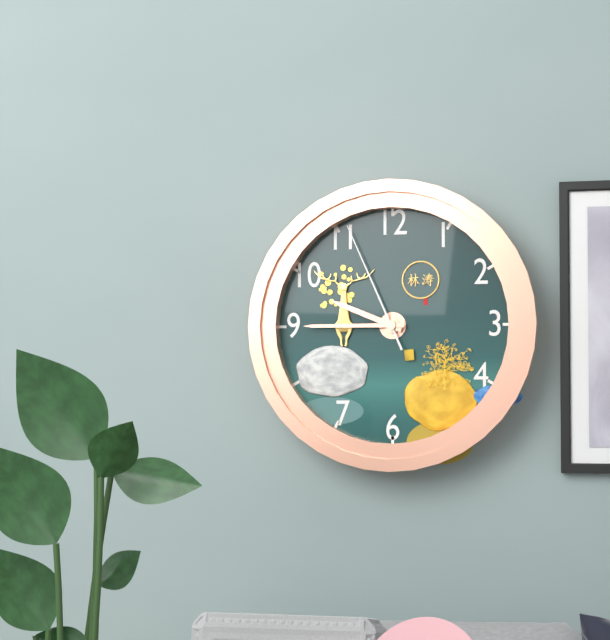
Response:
h=9 m=45 s=56
